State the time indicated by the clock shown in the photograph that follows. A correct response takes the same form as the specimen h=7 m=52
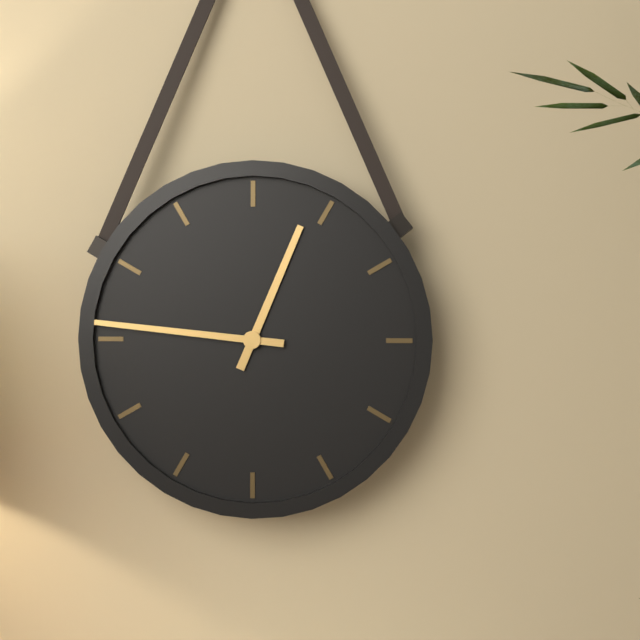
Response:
h=12 m=46
